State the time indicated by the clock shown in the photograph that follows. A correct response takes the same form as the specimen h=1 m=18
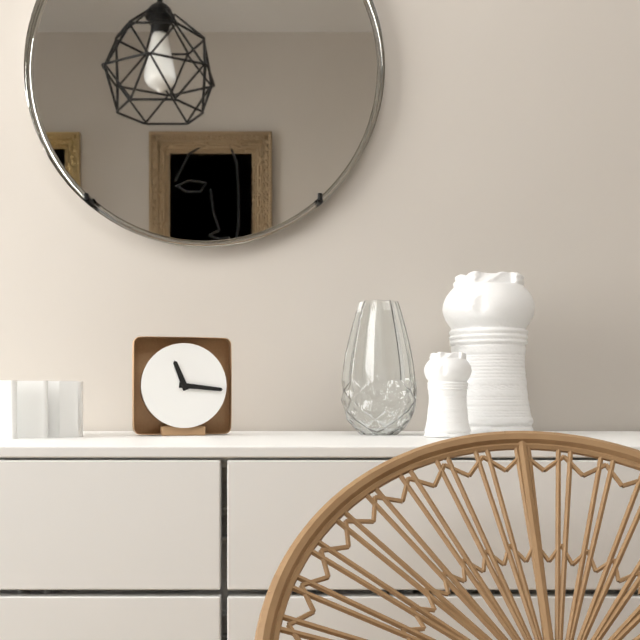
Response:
h=11 m=16
